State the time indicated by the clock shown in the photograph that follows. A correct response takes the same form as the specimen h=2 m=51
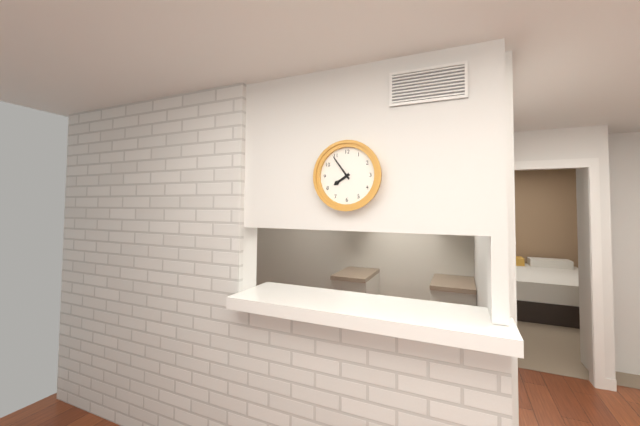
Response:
h=7 m=54
